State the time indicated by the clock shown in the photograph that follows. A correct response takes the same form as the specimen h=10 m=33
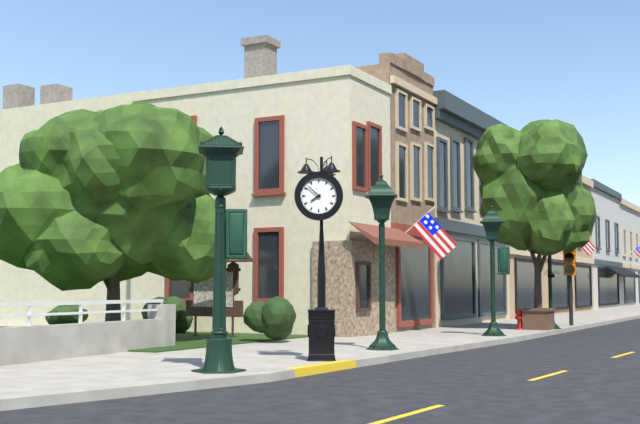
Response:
h=7 m=52
